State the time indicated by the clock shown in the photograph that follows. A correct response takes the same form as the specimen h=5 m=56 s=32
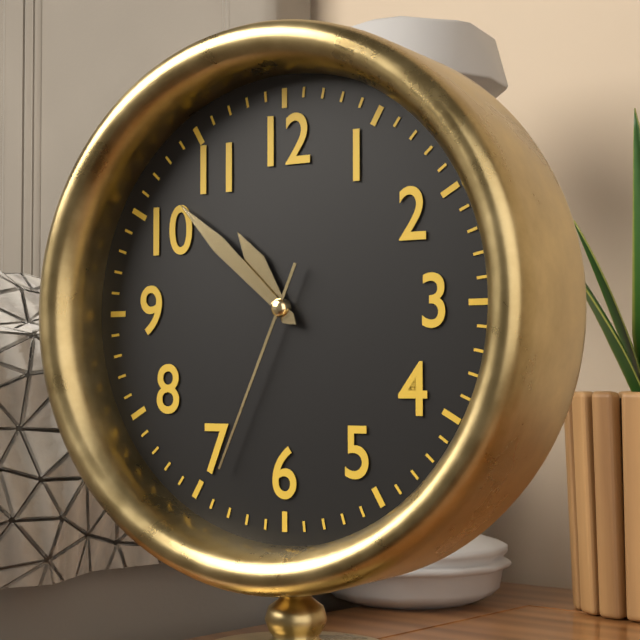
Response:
h=10 m=52 s=34
